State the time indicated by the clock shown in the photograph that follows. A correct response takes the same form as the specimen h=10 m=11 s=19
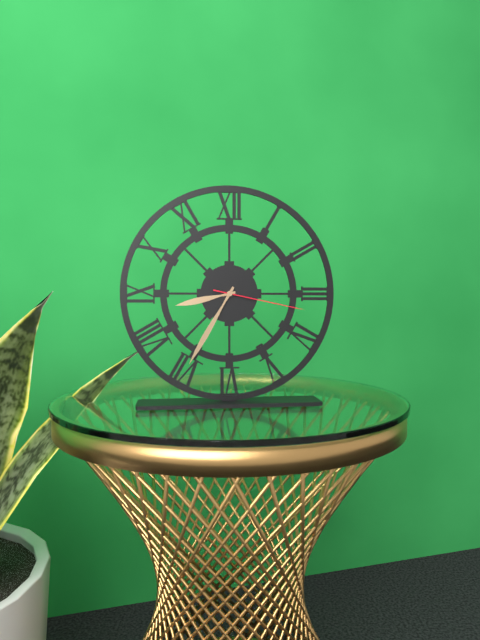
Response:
h=8 m=35 s=17
